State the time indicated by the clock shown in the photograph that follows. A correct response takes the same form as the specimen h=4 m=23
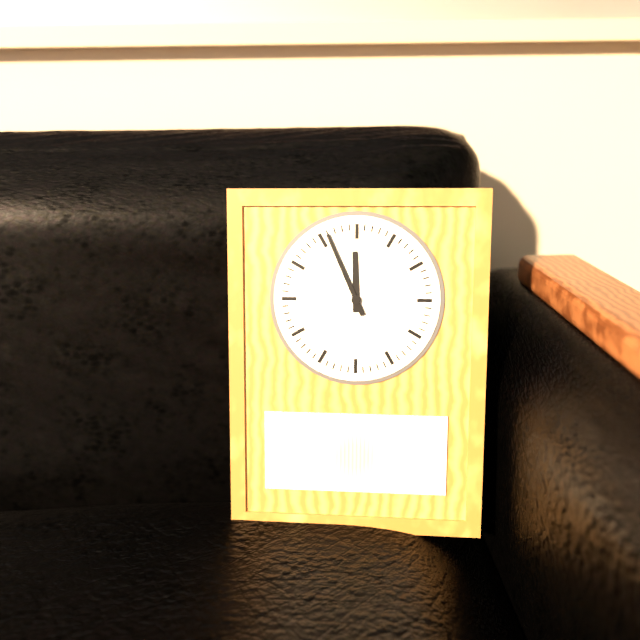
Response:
h=11 m=56
